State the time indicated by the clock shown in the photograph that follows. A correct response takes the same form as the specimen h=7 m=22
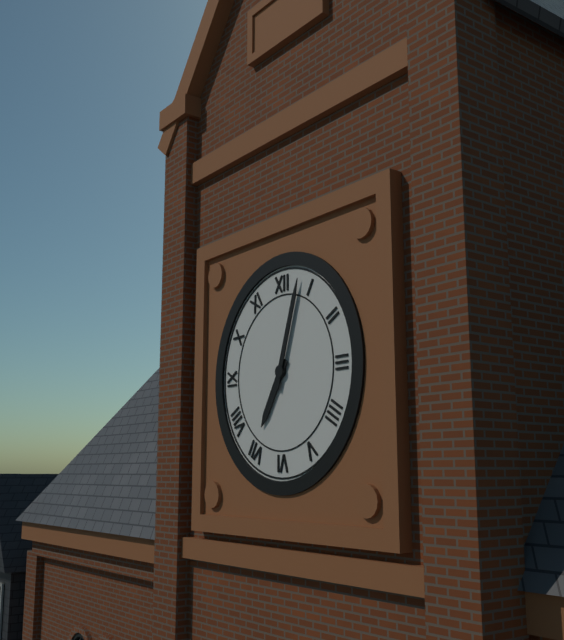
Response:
h=7 m=3
